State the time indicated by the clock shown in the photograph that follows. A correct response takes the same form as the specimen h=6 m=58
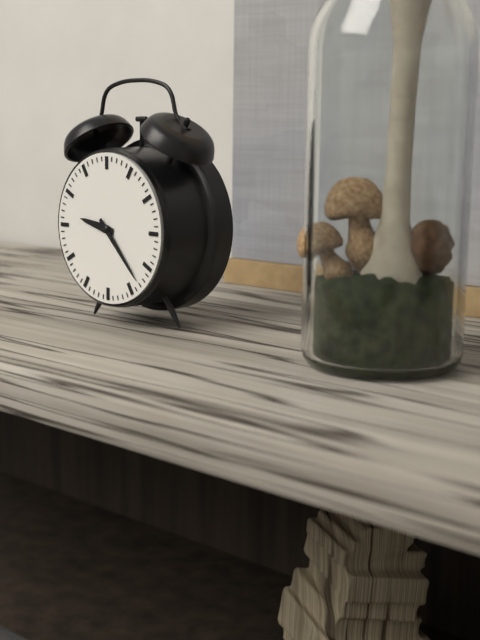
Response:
h=9 m=23
